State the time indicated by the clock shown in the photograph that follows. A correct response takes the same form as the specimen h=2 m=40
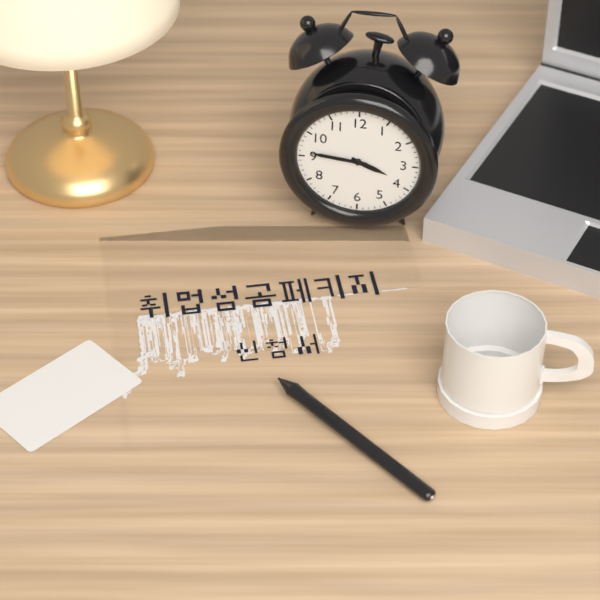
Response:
h=3 m=46
